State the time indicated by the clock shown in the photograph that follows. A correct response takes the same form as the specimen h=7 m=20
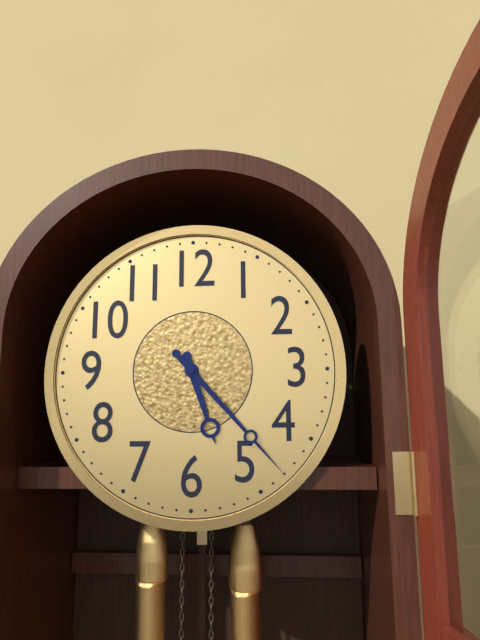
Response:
h=5 m=23
